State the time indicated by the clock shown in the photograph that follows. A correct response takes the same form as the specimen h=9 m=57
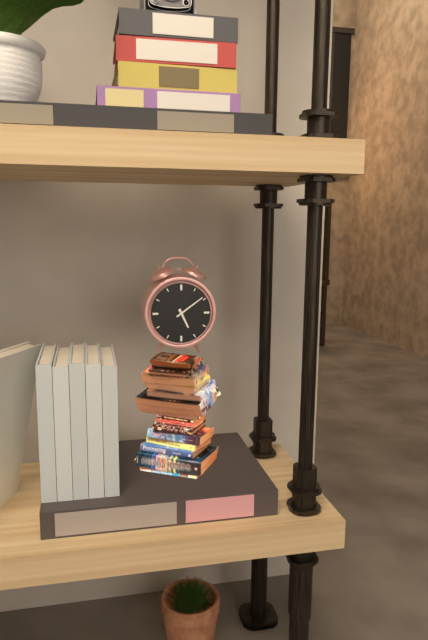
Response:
h=5 m=9
